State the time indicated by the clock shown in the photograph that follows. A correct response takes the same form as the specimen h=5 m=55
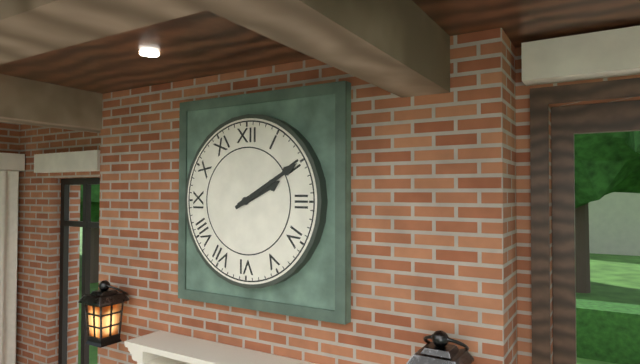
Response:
h=2 m=10
